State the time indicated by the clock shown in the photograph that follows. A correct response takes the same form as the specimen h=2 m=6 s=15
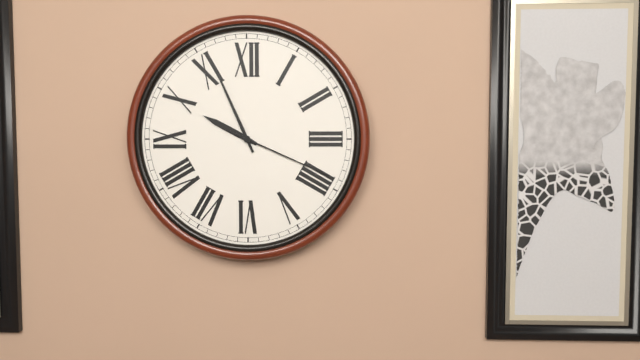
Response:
h=9 m=56 s=19
